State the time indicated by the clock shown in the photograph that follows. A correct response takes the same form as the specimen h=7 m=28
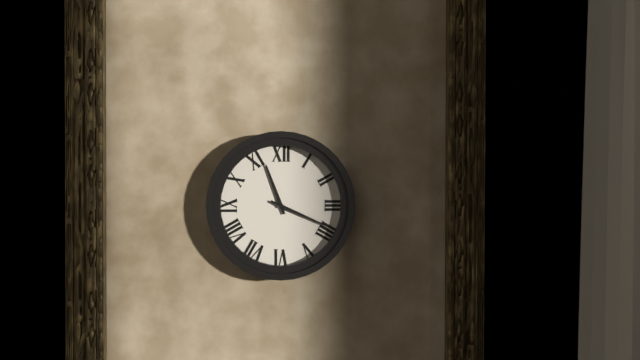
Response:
h=11 m=19
